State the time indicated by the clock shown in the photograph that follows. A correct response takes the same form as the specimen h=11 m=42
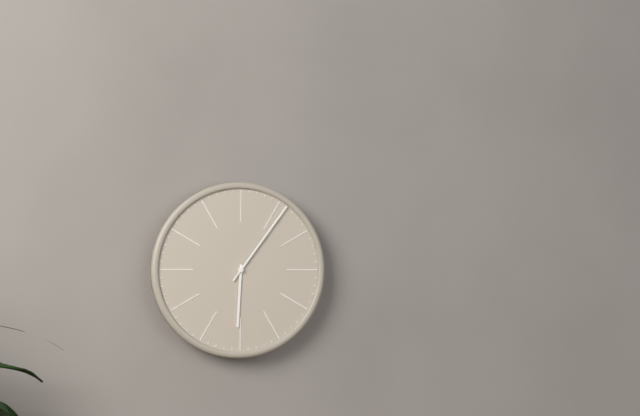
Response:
h=6 m=6
